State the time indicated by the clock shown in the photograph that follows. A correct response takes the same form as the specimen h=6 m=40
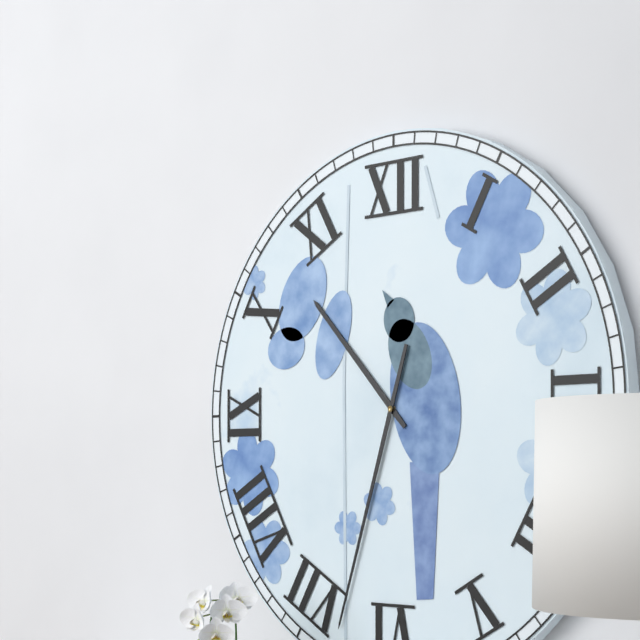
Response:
h=10 m=33
